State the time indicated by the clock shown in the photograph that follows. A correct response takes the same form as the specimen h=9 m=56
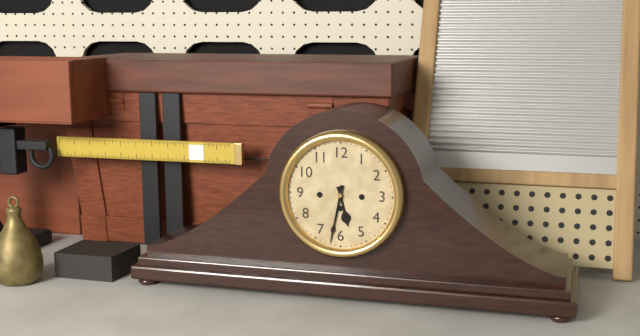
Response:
h=5 m=32
